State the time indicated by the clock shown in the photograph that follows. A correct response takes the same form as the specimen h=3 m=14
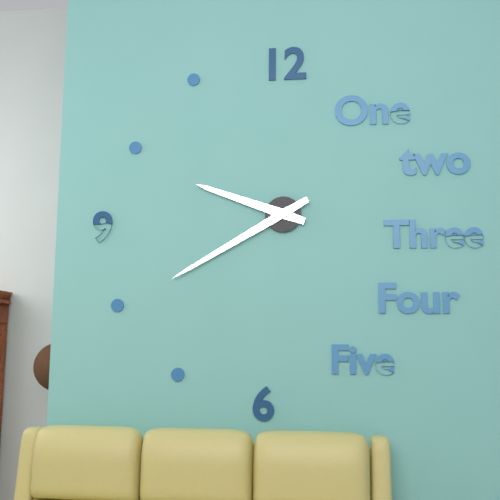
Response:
h=9 m=40
